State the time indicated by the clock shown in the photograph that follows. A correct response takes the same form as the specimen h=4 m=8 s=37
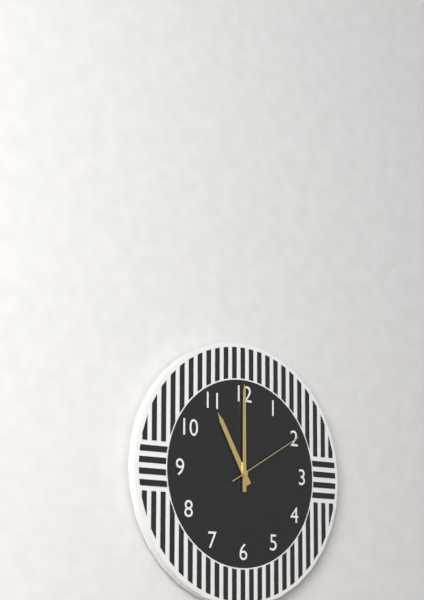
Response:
h=11 m=0 s=10
